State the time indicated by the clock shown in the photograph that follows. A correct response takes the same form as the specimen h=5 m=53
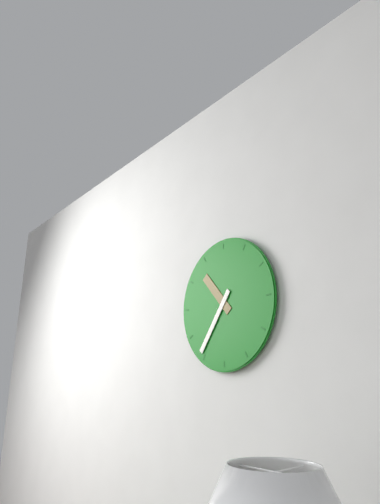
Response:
h=10 m=36
